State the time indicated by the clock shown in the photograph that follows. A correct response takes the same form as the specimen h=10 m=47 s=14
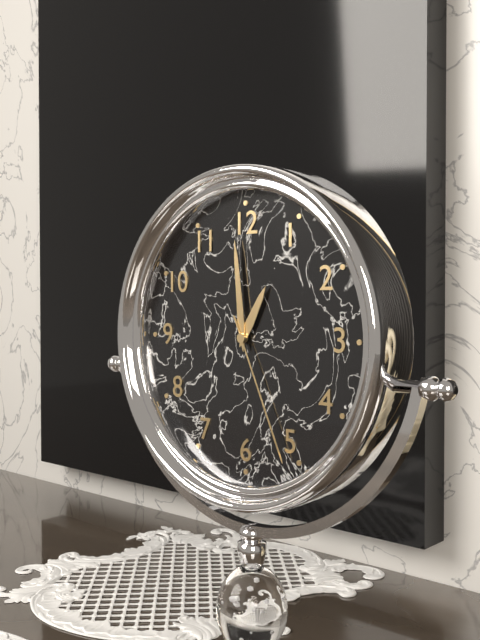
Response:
h=12 m=59 s=26
